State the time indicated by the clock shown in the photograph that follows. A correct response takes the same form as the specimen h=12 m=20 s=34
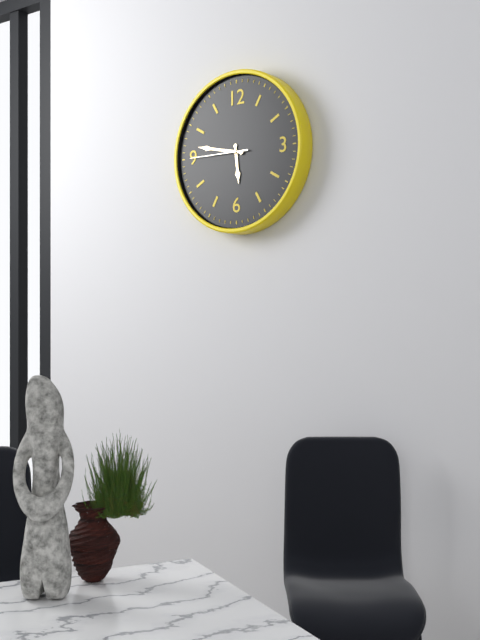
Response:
h=5 m=47 s=45
